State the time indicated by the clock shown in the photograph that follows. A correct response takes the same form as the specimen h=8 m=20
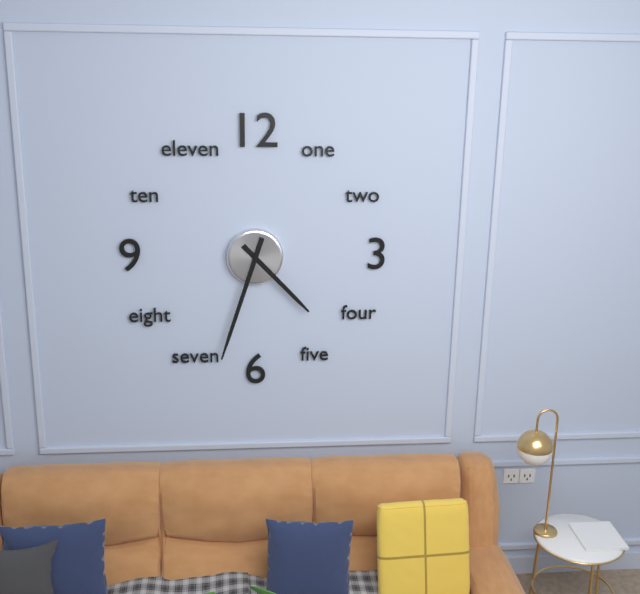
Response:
h=4 m=33
